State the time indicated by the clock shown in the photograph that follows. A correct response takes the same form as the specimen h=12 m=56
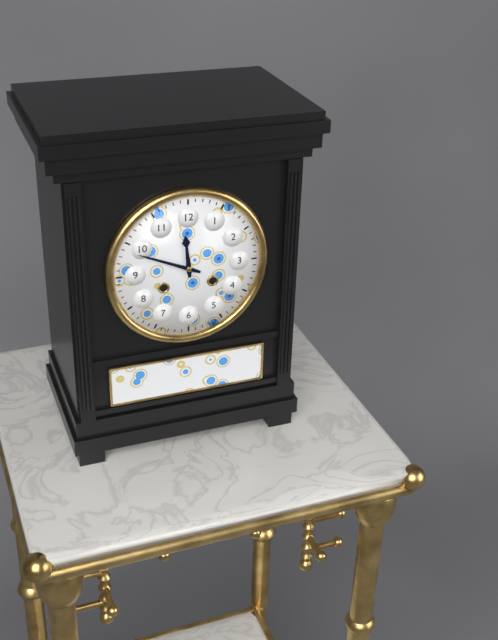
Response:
h=11 m=49
